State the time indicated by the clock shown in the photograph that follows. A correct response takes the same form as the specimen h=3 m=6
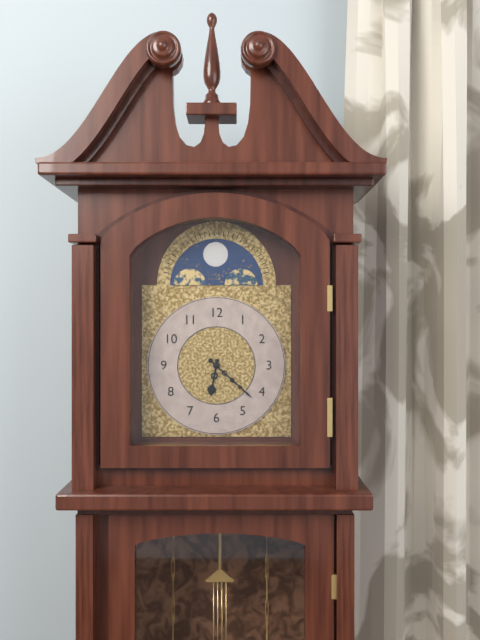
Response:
h=6 m=22
